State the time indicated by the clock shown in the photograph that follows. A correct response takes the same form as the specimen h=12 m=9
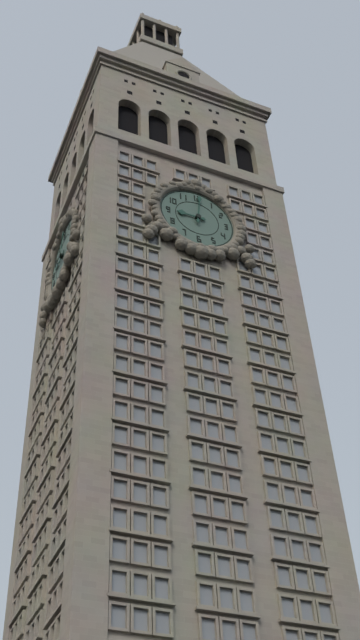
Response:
h=9 m=1
